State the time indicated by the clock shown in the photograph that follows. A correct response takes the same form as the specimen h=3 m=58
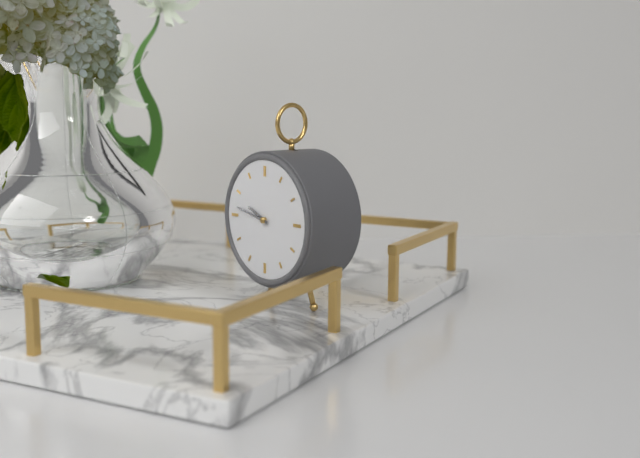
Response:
h=9 m=47
